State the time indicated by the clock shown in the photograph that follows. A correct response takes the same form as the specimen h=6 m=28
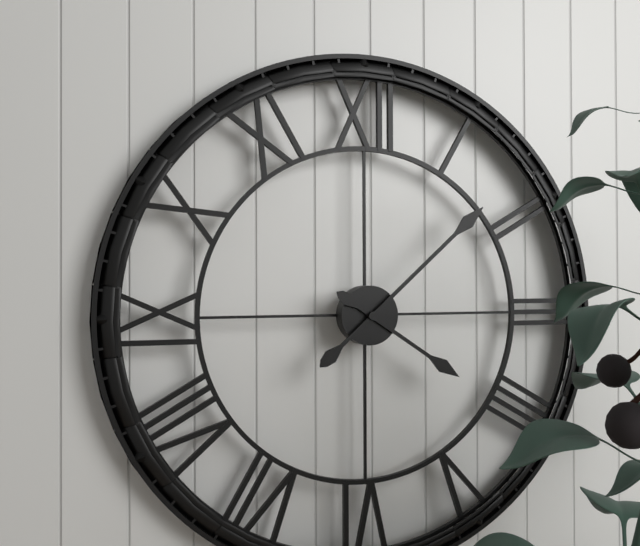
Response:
h=4 m=8
